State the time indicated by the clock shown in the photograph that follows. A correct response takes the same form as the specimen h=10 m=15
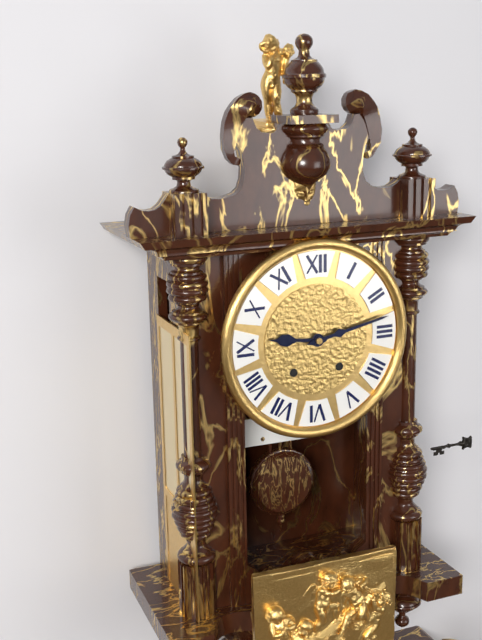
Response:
h=9 m=13
